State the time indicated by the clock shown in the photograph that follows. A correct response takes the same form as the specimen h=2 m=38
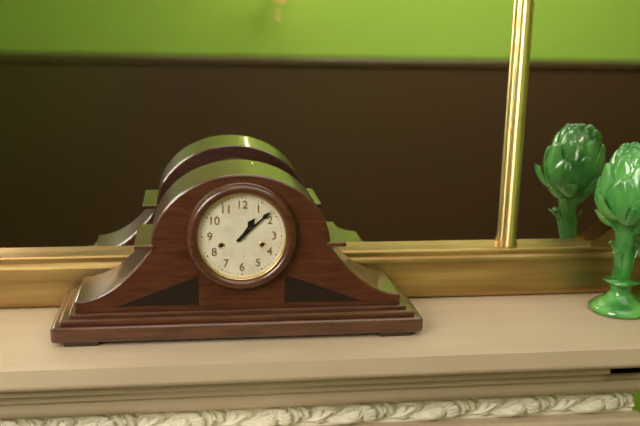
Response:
h=1 m=8
